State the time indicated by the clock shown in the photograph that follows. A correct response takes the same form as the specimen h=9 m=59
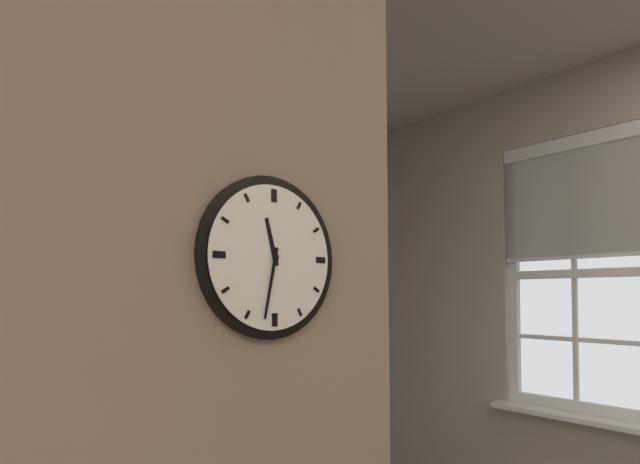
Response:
h=11 m=32
